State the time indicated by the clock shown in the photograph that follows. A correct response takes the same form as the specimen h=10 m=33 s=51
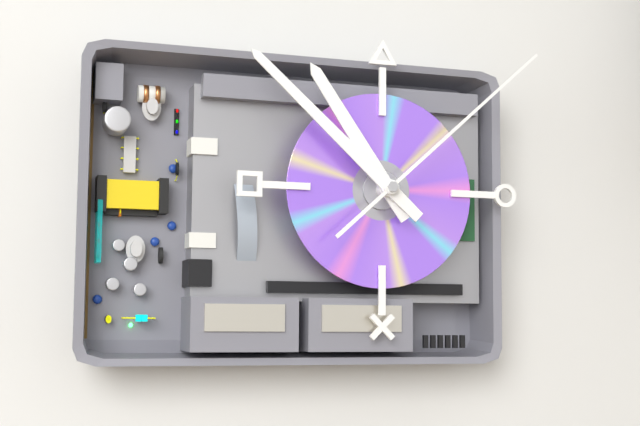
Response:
h=10 m=52 s=8
